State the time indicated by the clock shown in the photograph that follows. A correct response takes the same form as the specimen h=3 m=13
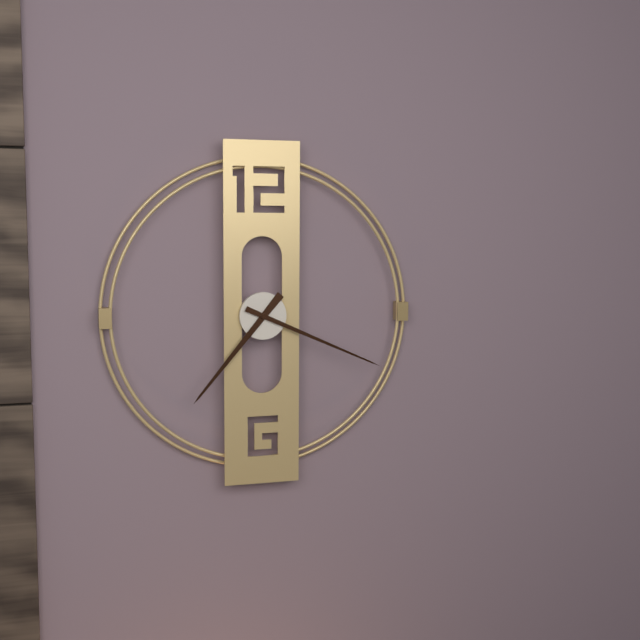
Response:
h=7 m=19
